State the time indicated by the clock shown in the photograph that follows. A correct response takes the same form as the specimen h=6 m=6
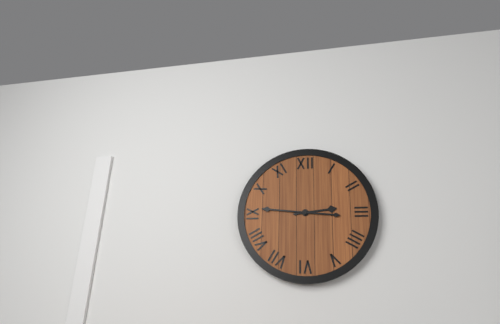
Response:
h=2 m=46
